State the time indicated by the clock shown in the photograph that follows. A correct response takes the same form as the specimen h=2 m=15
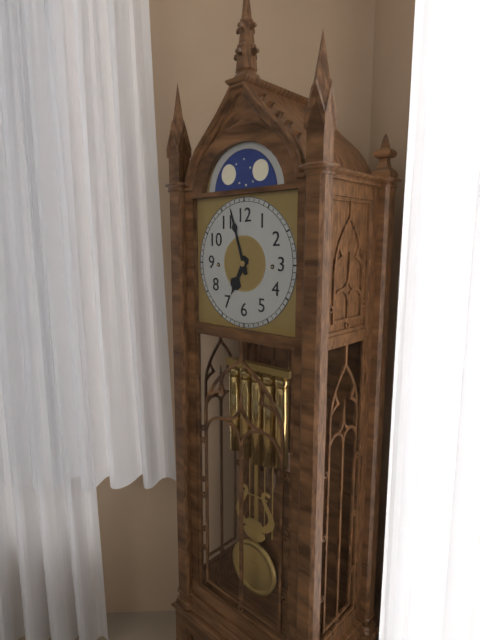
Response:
h=6 m=57
